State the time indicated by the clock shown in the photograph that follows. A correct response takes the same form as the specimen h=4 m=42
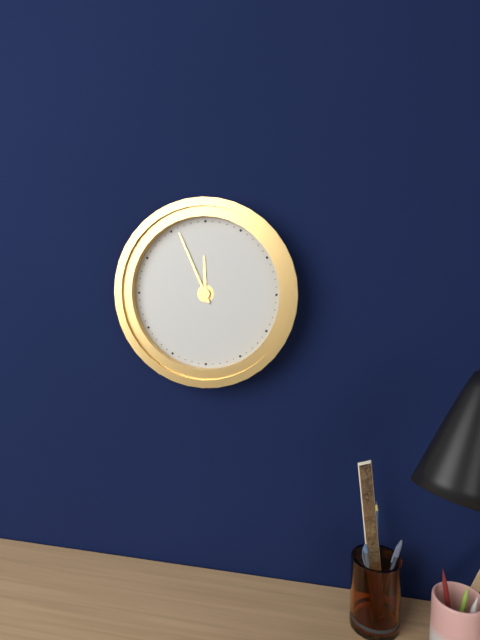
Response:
h=11 m=56
